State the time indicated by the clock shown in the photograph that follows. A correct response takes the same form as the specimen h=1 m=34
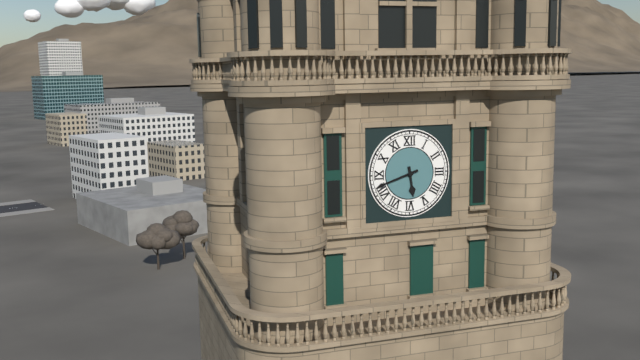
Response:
h=5 m=42
